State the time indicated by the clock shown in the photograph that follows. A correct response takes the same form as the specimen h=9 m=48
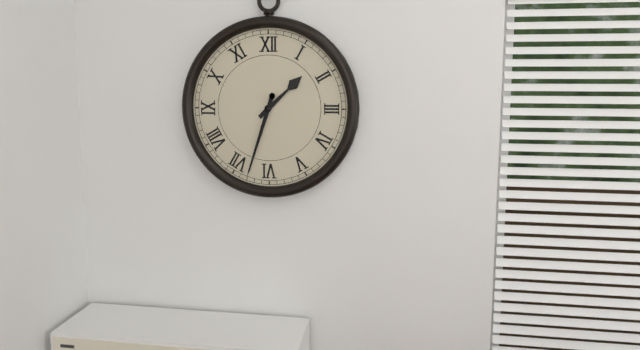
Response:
h=1 m=33
